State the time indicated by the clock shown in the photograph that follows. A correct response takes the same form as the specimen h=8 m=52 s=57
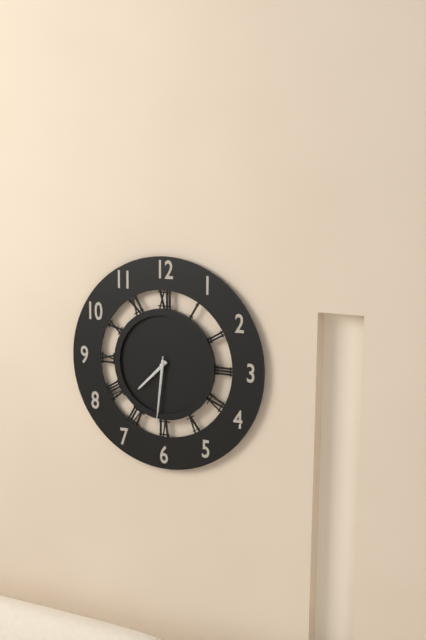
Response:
h=7 m=31 s=31
